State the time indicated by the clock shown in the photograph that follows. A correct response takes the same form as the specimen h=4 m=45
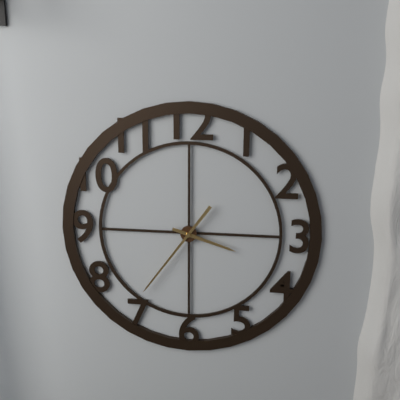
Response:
h=3 m=36
